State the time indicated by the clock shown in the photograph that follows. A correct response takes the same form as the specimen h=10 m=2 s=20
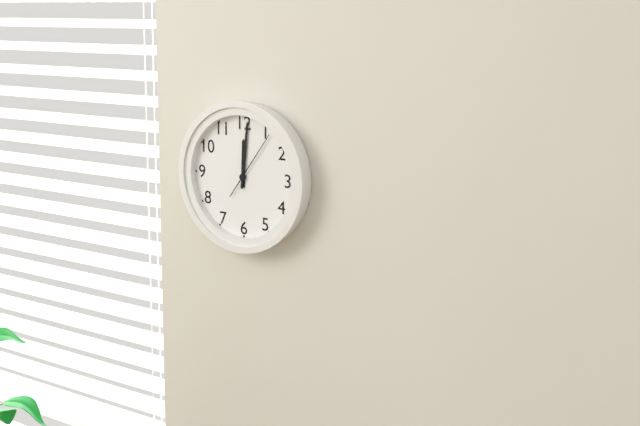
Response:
h=12 m=1 s=6
